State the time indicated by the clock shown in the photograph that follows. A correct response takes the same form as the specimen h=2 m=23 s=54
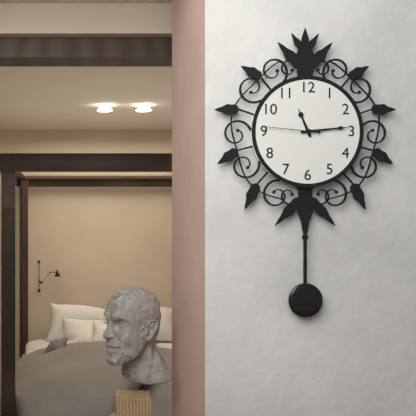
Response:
h=11 m=14 s=46
